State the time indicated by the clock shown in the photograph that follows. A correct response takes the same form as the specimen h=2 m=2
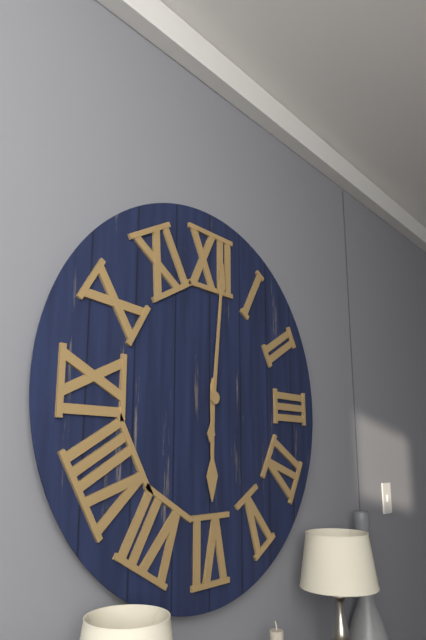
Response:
h=6 m=1
